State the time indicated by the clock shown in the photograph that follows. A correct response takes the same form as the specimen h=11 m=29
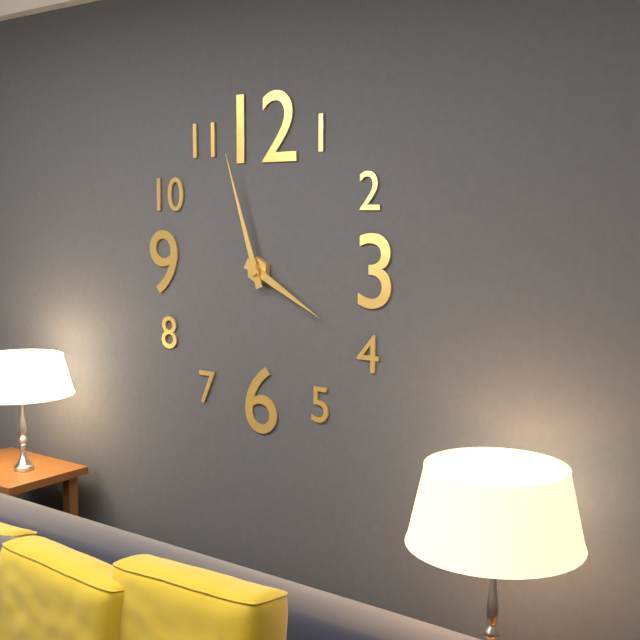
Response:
h=3 m=57
